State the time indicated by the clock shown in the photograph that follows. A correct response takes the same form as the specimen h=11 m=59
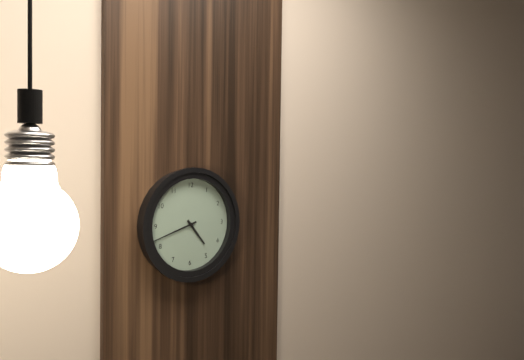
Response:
h=4 m=42
